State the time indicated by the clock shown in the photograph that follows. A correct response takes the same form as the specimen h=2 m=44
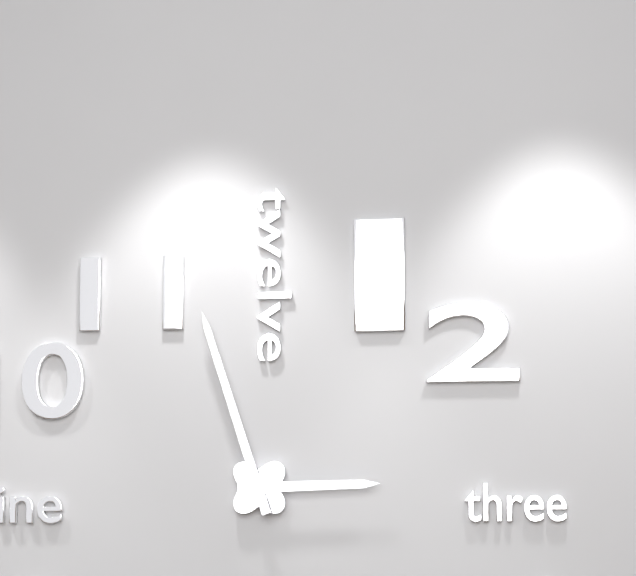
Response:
h=2 m=57
